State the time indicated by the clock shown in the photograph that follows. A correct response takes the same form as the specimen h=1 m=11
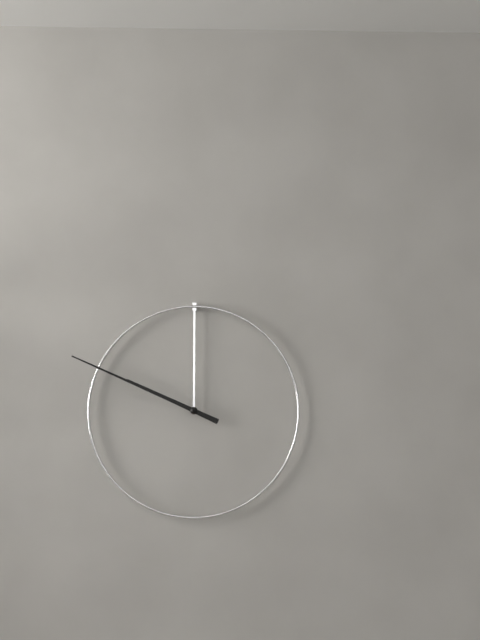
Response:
h=9 m=49
